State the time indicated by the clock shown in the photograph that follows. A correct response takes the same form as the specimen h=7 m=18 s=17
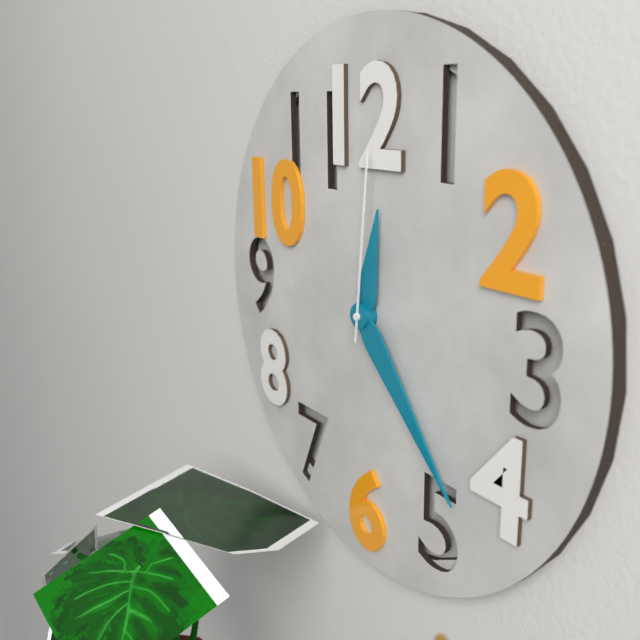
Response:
h=12 m=23 s=1
